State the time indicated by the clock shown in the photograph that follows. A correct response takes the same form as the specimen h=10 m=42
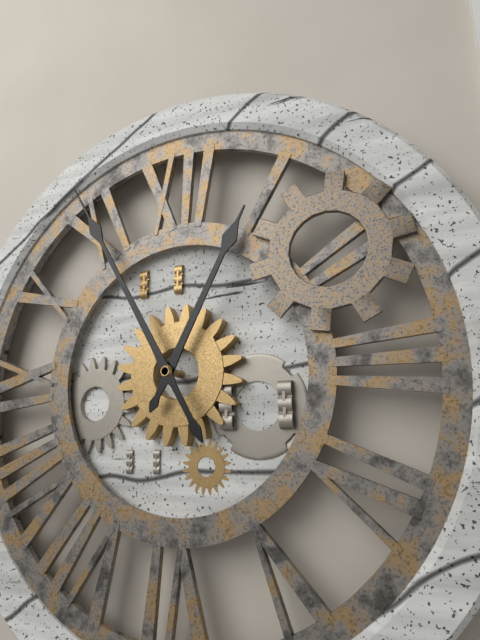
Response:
h=12 m=55
